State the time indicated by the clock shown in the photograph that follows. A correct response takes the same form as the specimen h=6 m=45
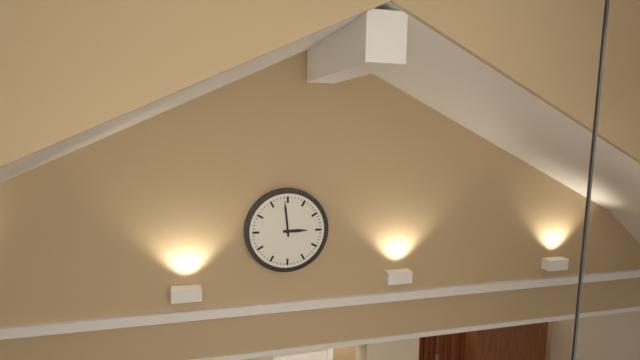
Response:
h=2 m=59
